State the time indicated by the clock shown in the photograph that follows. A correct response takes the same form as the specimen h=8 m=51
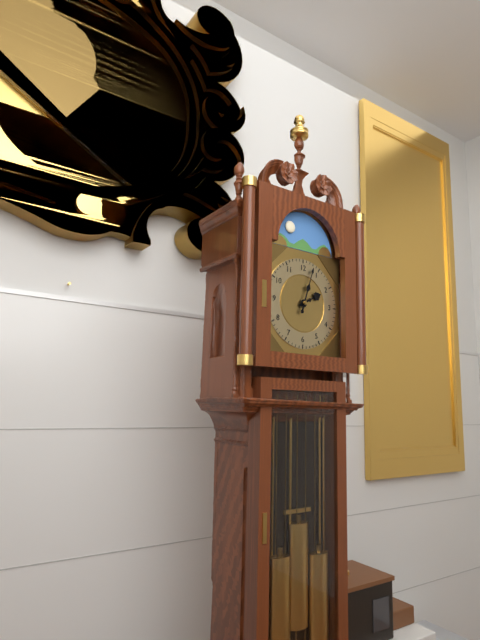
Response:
h=2 m=3
